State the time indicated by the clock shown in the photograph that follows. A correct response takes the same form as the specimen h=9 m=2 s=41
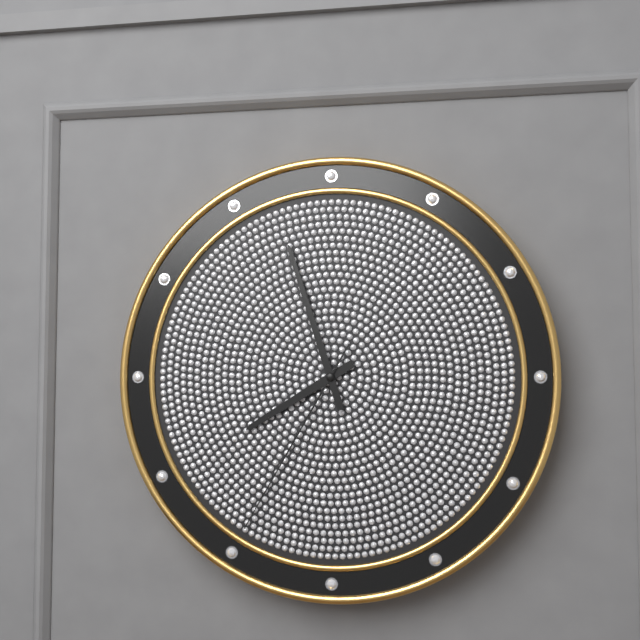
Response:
h=7 m=57 s=35
